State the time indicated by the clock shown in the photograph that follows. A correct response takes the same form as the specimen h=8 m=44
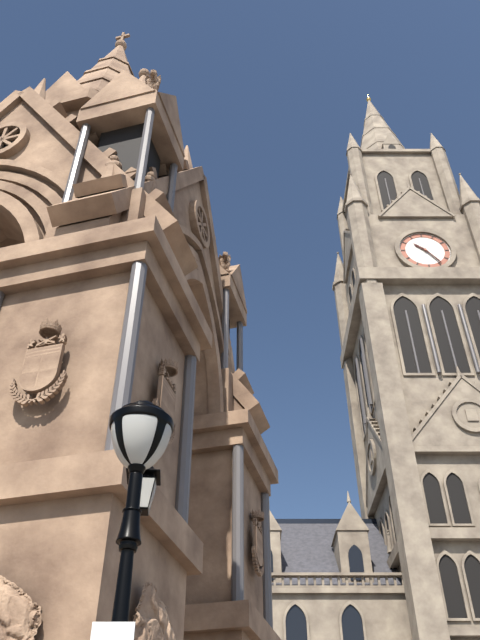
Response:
h=10 m=24
